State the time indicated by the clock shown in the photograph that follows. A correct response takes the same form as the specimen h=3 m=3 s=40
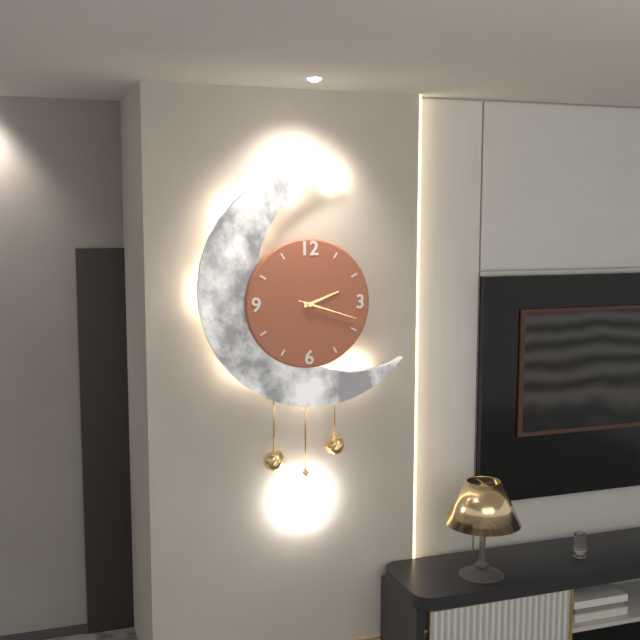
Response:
h=2 m=18 s=18
